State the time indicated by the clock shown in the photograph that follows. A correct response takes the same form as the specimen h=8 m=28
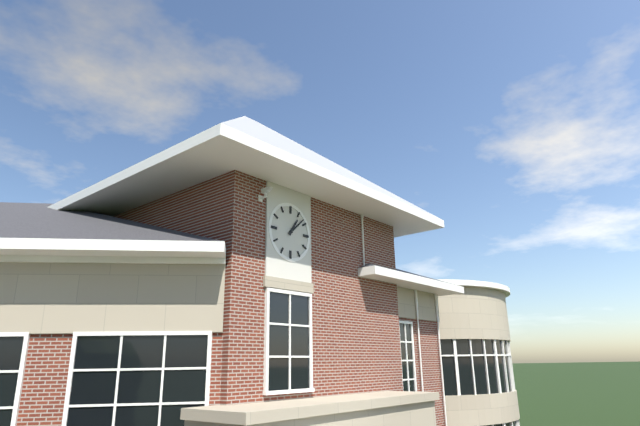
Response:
h=1 m=8
